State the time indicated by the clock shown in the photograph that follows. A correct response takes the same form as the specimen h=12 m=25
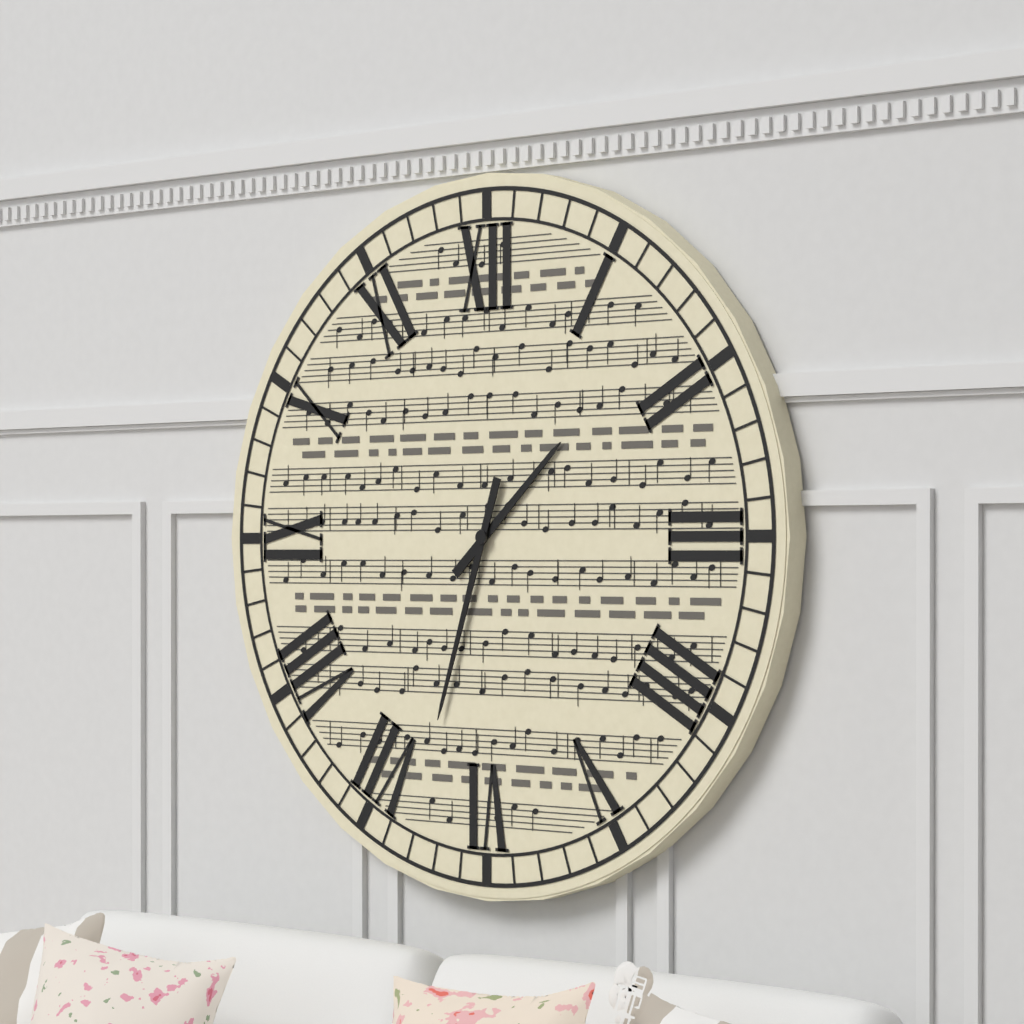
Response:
h=1 m=33
